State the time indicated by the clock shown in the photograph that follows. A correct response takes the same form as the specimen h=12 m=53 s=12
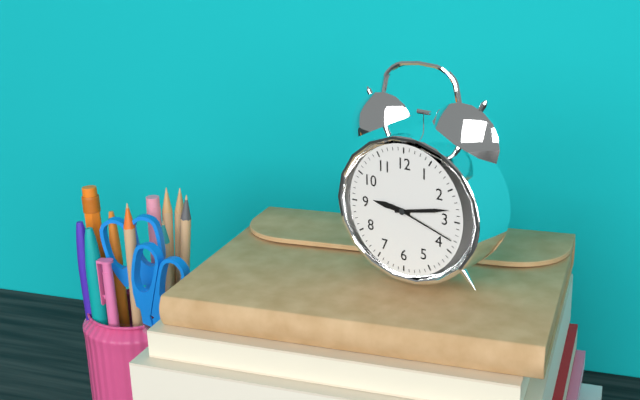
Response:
h=9 m=13 s=18
